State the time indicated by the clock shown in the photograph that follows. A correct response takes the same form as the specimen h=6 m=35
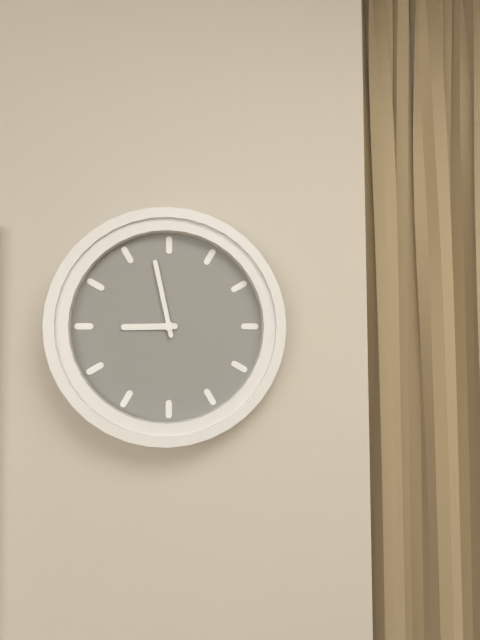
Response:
h=8 m=58
